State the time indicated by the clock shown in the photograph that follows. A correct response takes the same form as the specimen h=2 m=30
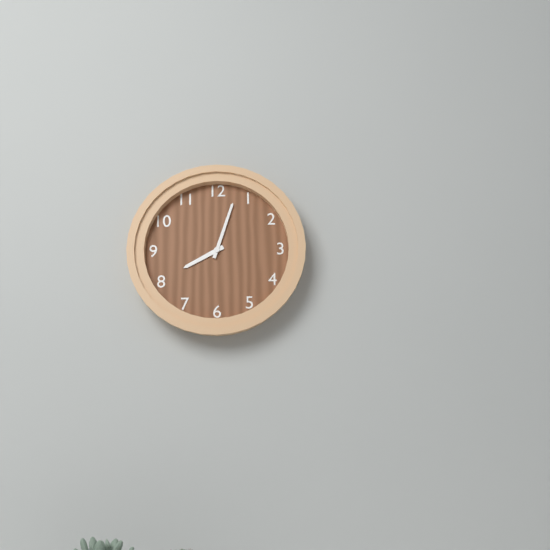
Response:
h=8 m=3
